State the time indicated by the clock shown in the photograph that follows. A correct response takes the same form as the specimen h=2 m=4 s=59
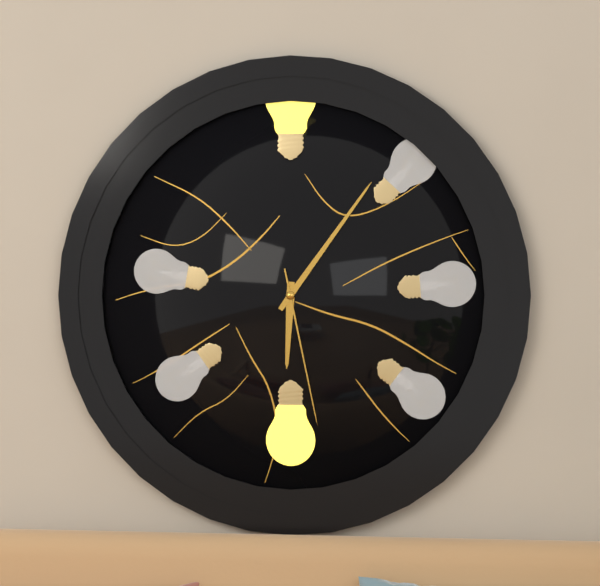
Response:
h=6 m=6 s=28
